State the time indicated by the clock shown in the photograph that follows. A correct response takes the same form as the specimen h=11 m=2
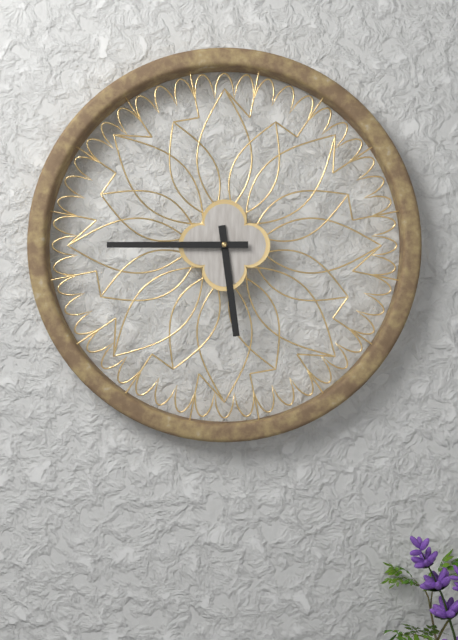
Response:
h=5 m=45
